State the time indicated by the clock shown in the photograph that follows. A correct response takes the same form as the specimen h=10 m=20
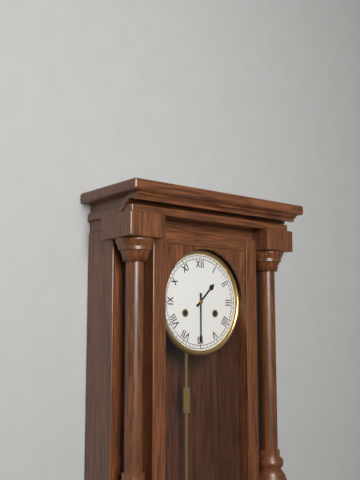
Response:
h=1 m=30
